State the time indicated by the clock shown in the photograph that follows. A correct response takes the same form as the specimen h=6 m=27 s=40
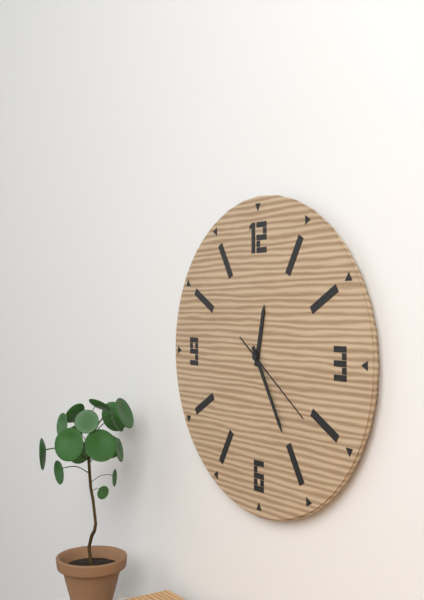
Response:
h=12 m=25 s=21
